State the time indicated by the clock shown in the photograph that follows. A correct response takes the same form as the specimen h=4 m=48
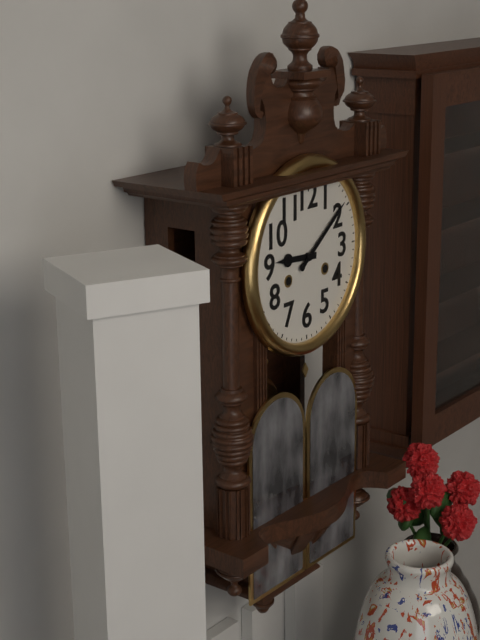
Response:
h=9 m=9
